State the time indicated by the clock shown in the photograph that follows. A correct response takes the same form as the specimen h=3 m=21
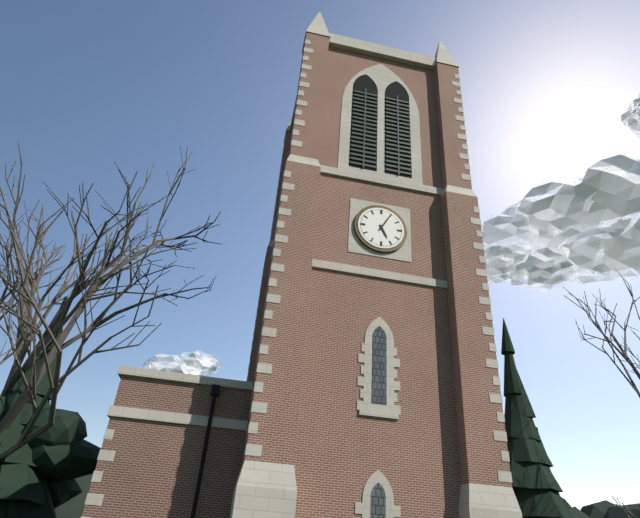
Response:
h=5 m=5
